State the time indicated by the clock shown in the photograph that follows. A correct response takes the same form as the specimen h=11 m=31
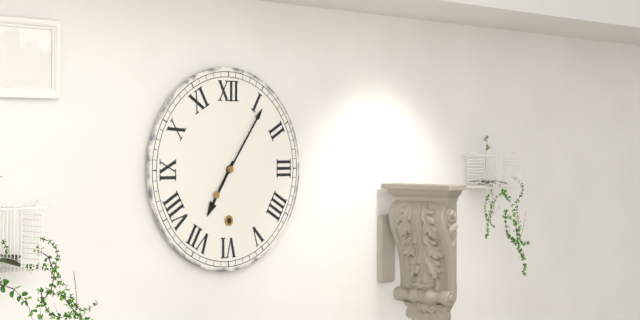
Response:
h=7 m=6
